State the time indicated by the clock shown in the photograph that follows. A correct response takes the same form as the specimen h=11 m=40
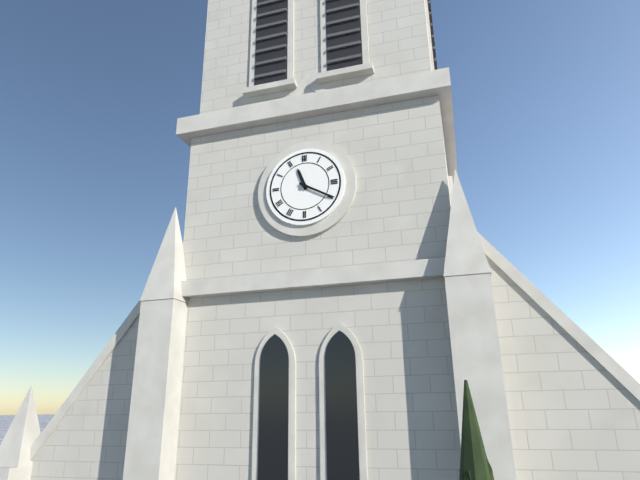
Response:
h=11 m=20
